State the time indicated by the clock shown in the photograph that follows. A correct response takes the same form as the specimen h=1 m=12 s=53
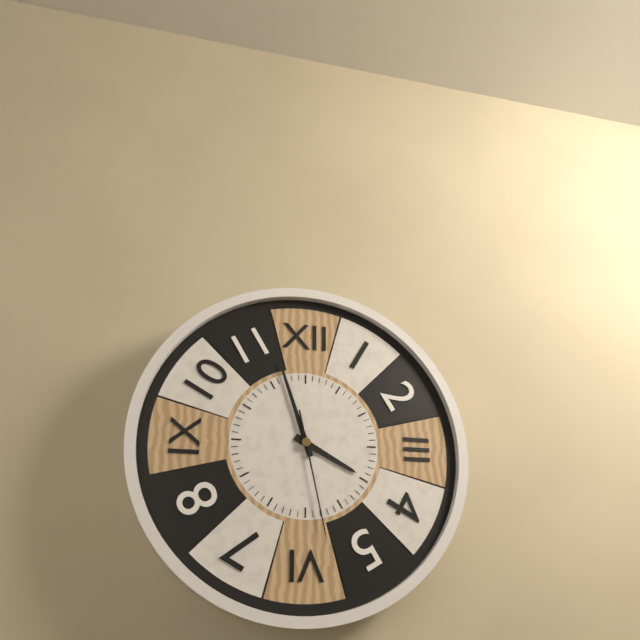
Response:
h=3 m=57 s=28
